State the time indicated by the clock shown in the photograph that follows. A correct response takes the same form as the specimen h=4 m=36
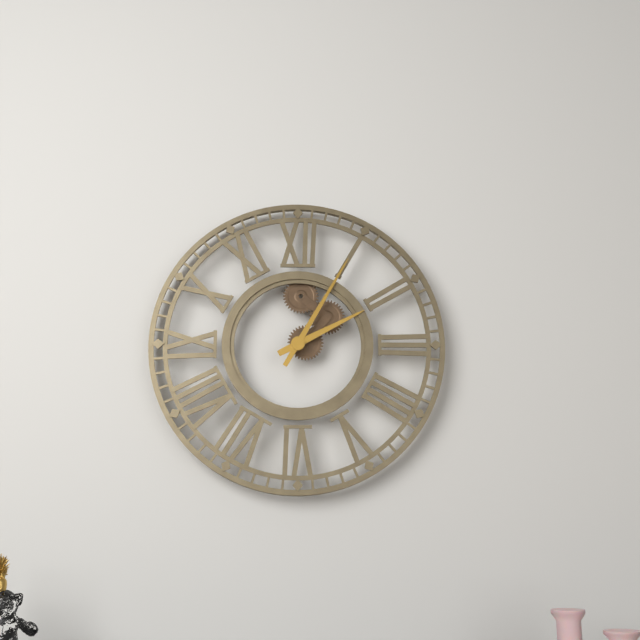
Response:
h=2 m=5
